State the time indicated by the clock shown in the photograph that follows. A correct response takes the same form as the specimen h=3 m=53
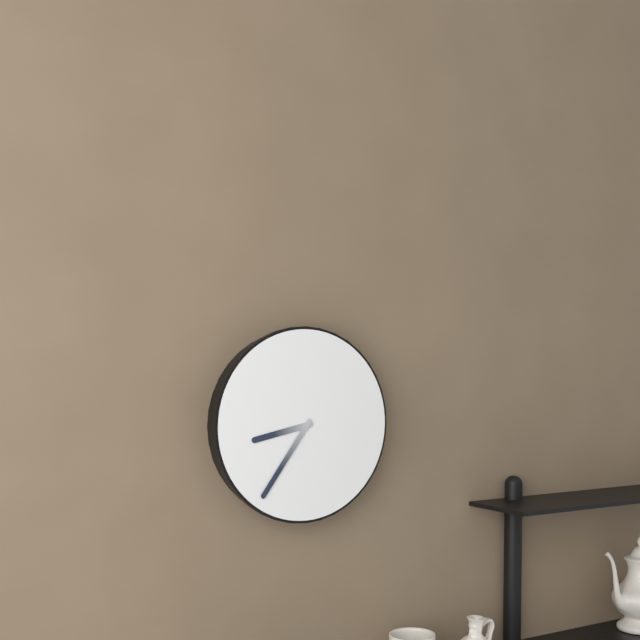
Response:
h=8 m=36
